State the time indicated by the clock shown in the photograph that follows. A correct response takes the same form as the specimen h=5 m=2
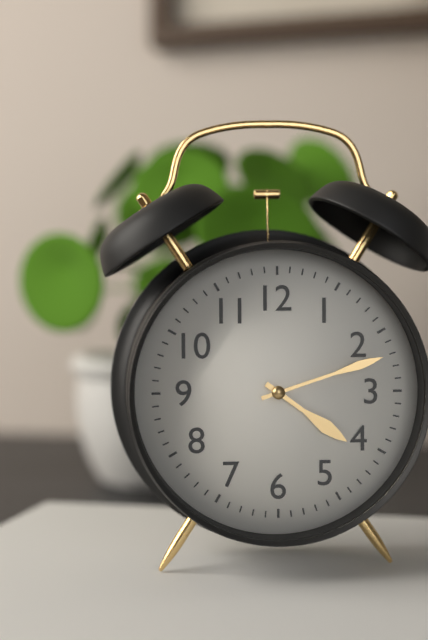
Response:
h=4 m=12
